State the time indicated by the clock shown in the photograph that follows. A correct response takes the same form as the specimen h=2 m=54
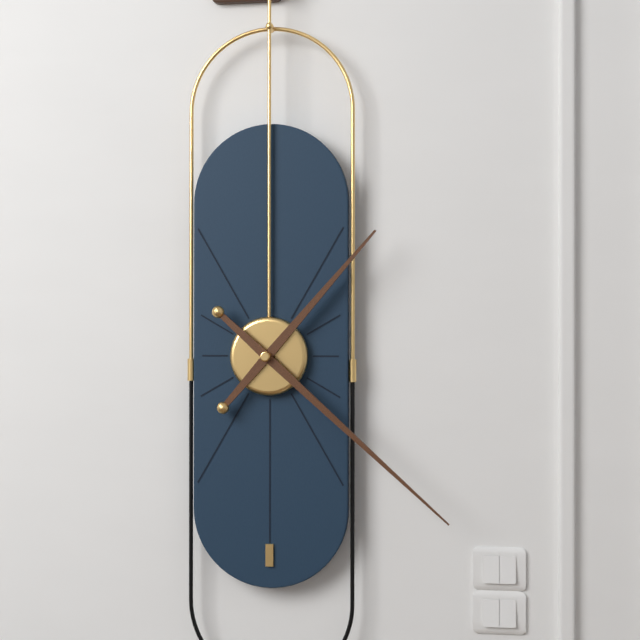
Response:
h=1 m=22
